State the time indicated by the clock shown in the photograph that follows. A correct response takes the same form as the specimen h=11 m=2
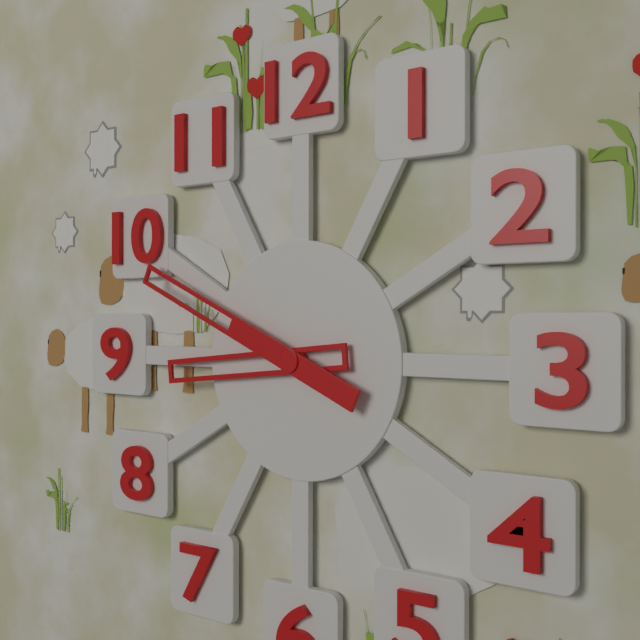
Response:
h=8 m=49
